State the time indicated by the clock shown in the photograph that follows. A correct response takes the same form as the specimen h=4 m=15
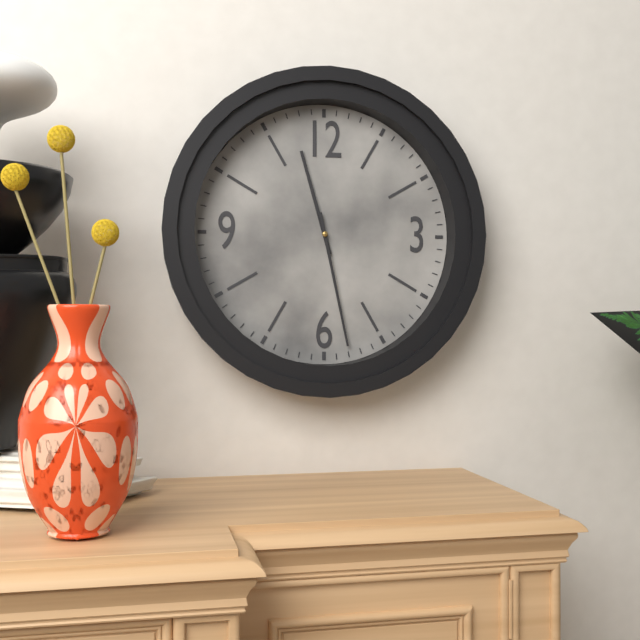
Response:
h=11 m=28
